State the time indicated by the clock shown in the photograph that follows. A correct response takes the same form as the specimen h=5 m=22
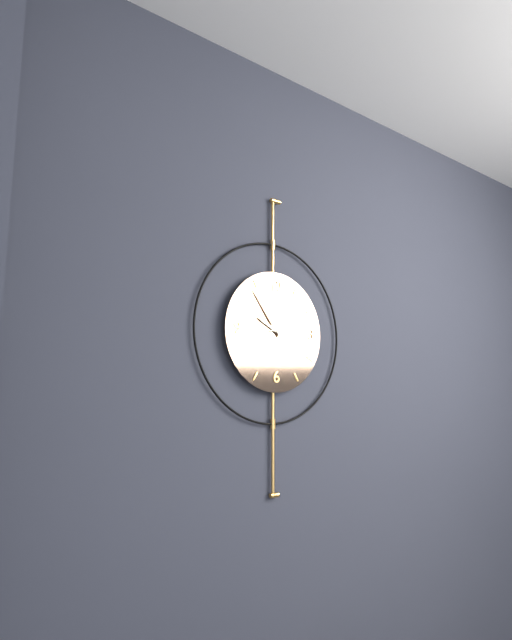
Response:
h=9 m=54
